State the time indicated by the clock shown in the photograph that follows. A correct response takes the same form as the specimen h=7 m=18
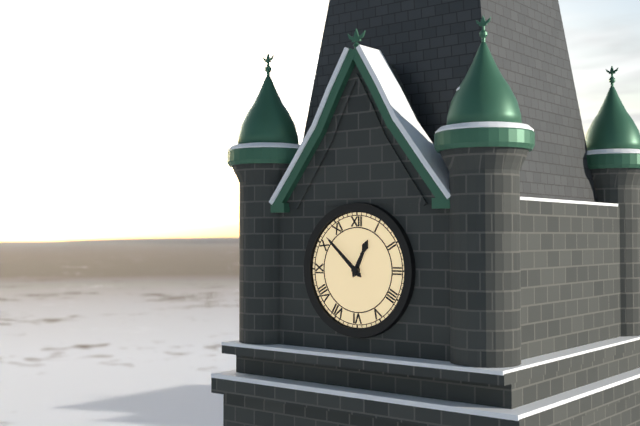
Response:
h=12 m=52
